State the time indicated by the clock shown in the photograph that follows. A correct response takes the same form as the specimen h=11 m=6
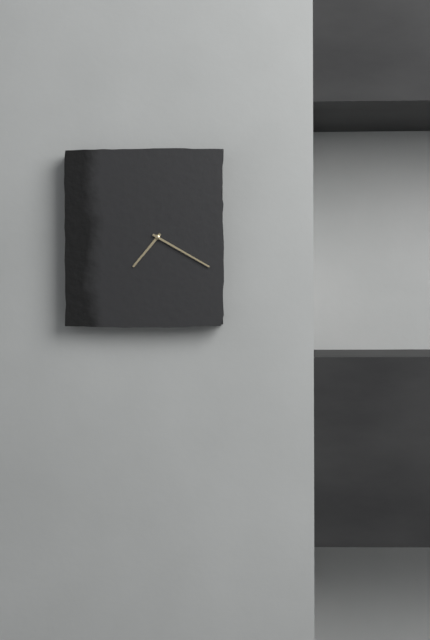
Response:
h=7 m=20
